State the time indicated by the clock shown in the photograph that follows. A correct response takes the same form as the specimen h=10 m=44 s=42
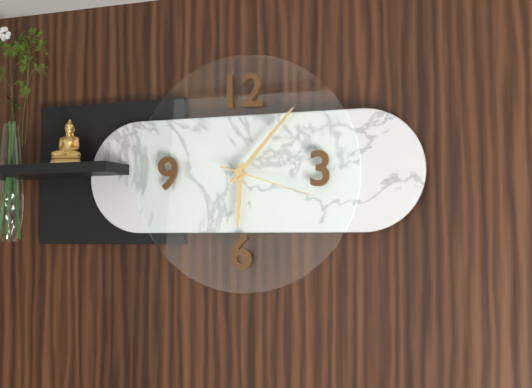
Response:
h=6 m=7 s=18
